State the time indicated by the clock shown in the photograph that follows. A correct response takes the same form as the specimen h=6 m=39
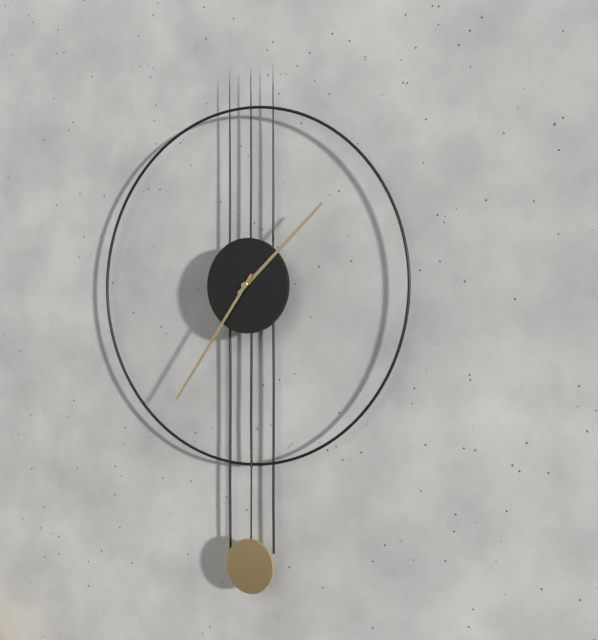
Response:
h=1 m=36
